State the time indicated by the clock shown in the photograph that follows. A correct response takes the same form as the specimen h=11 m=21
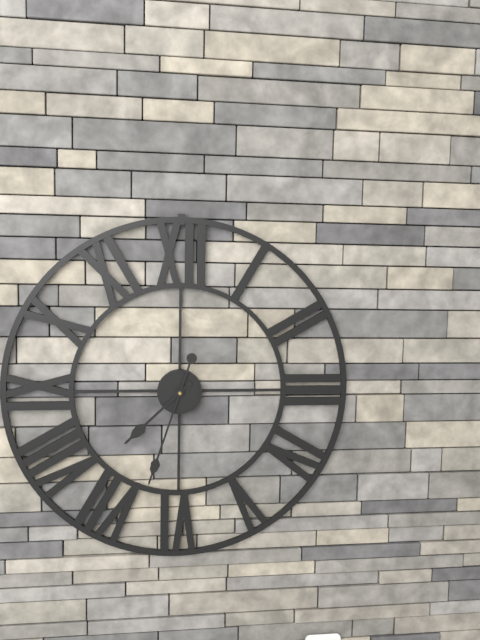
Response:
h=7 m=33
